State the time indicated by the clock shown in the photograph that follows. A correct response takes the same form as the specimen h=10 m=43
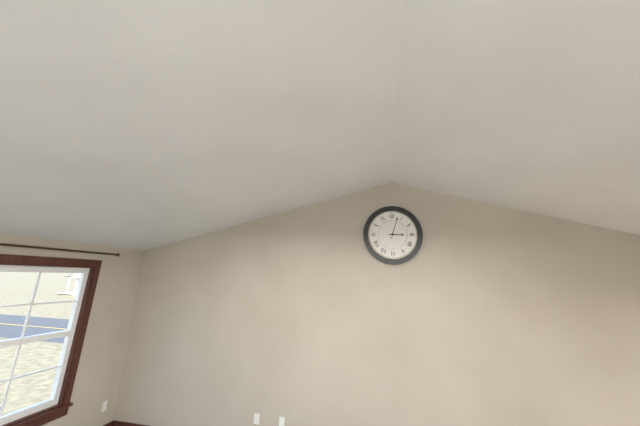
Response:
h=3 m=3
